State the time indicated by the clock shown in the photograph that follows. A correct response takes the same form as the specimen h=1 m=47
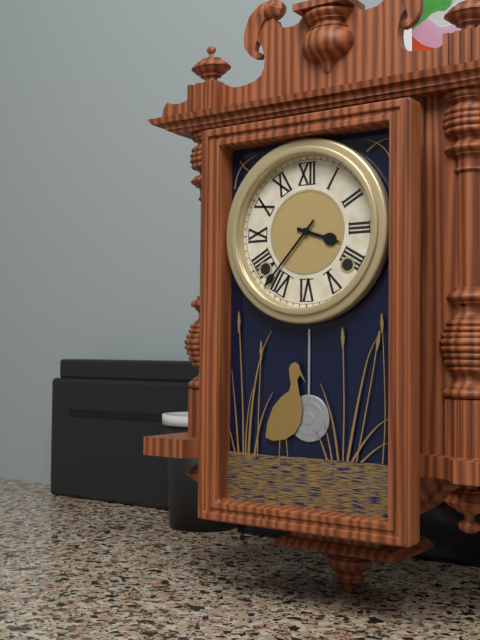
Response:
h=3 m=37
